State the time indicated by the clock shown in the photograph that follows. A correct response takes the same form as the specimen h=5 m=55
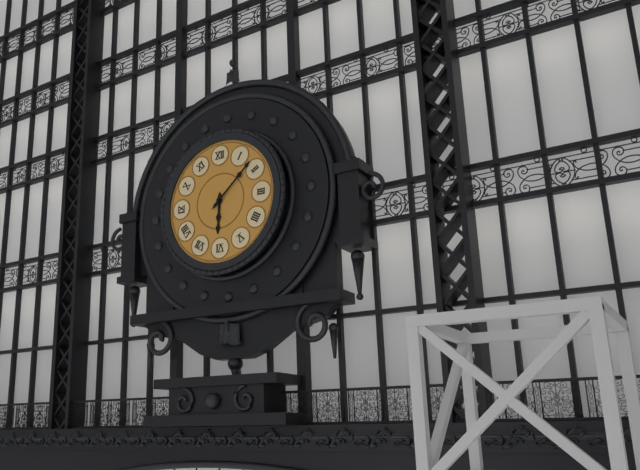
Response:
h=6 m=8
